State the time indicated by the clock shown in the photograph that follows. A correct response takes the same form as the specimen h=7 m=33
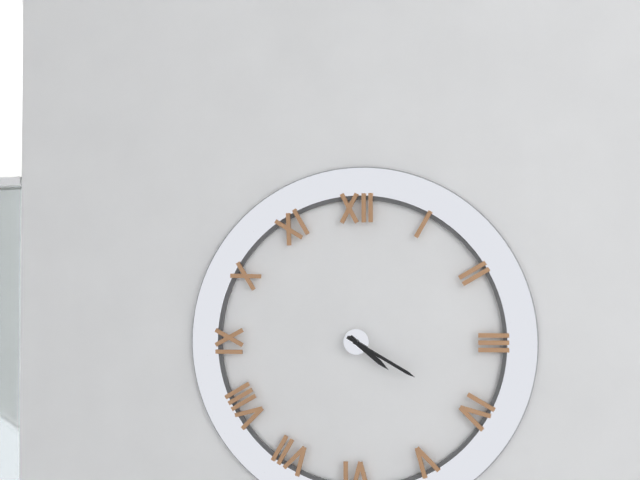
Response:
h=4 m=20
